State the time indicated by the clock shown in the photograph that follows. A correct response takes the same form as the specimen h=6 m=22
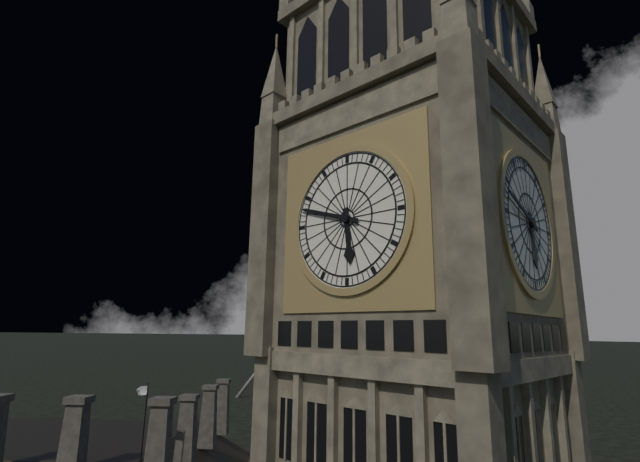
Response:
h=5 m=48
